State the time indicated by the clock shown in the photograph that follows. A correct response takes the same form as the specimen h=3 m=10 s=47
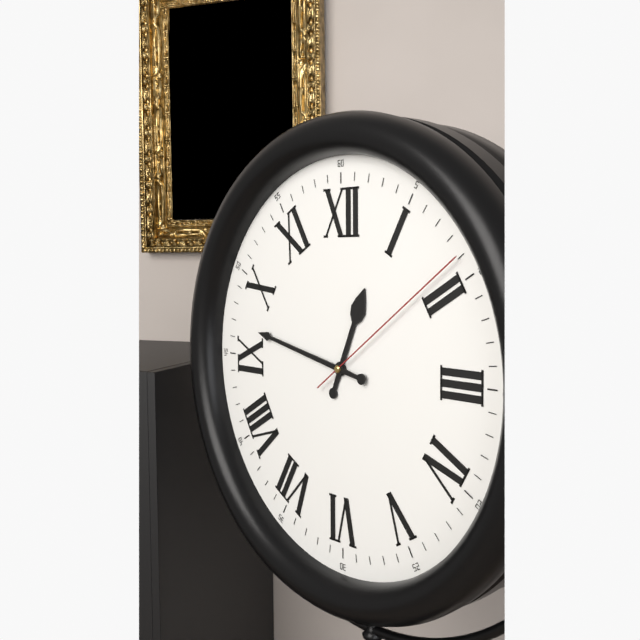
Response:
h=12 m=47 s=9
